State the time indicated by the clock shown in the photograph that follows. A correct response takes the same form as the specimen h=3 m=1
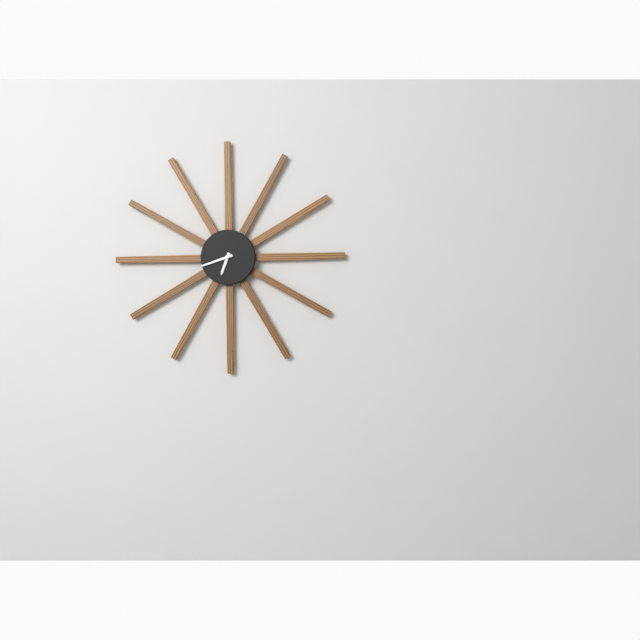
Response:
h=6 m=42
